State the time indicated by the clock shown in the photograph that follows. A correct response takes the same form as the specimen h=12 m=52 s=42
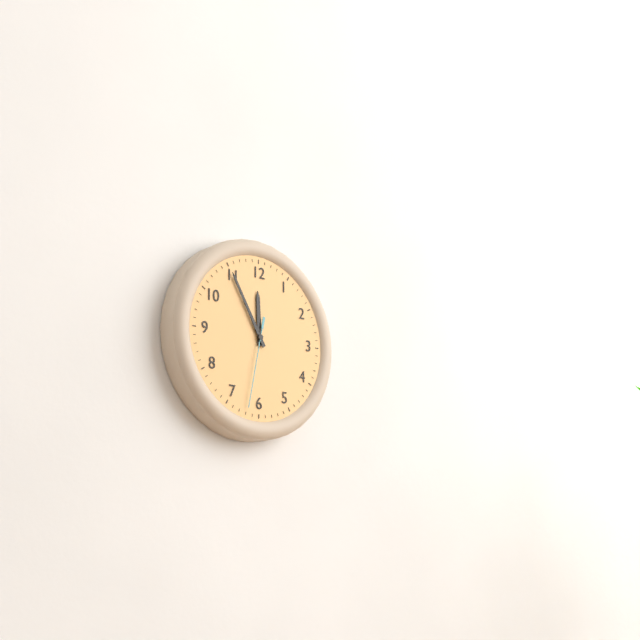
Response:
h=11 m=55 s=32
